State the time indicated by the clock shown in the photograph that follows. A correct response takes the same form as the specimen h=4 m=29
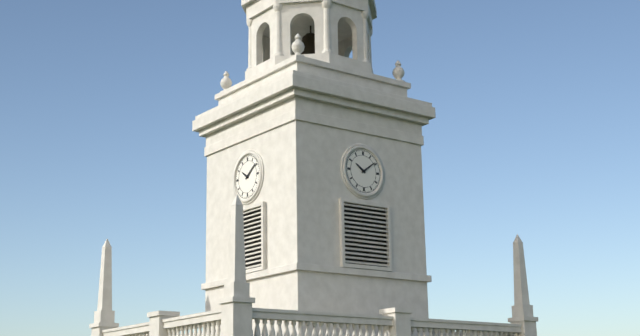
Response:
h=10 m=9
